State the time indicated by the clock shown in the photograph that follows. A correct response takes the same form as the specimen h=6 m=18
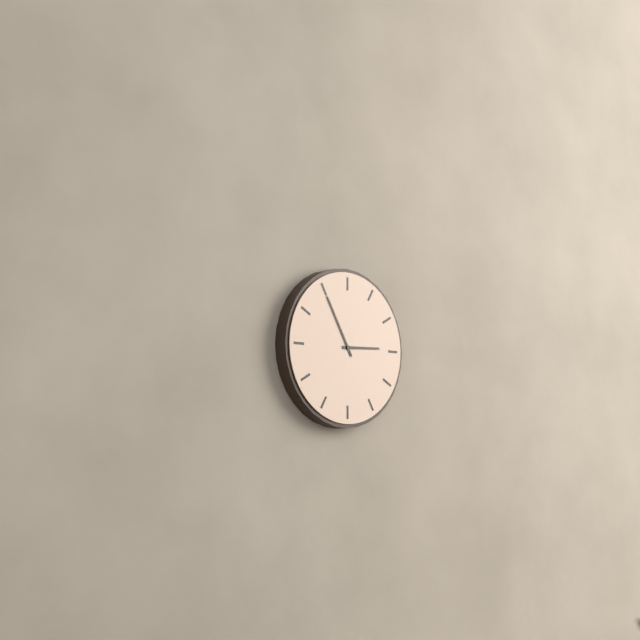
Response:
h=2 m=55
